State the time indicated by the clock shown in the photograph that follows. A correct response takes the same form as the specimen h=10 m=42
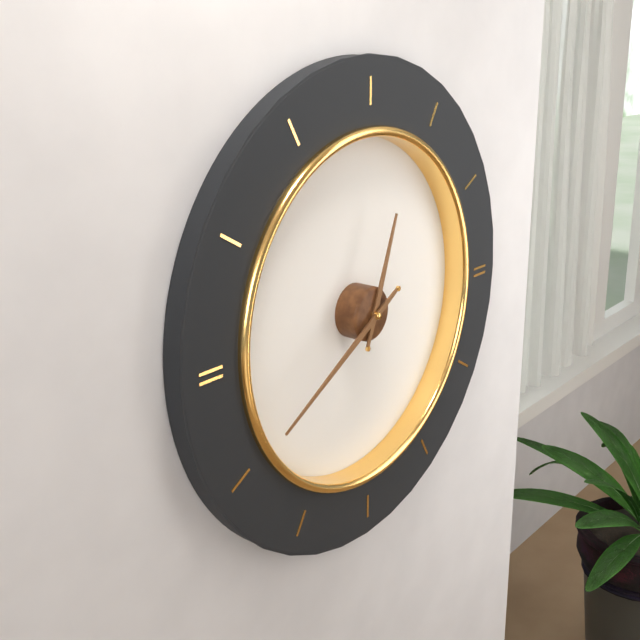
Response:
h=12 m=40
